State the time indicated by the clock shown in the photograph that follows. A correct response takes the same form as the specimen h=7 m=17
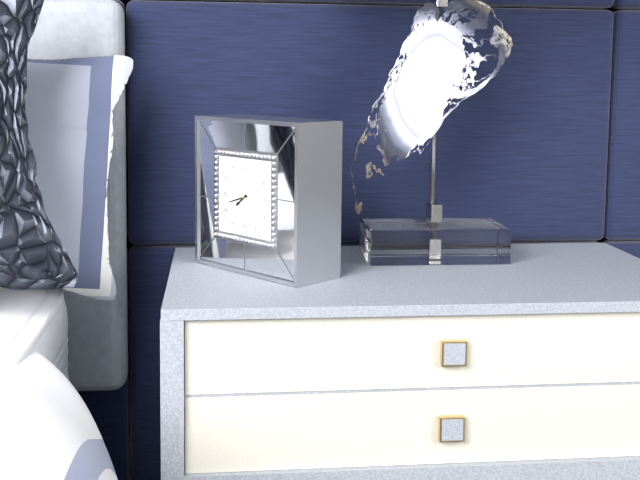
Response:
h=7 m=42
